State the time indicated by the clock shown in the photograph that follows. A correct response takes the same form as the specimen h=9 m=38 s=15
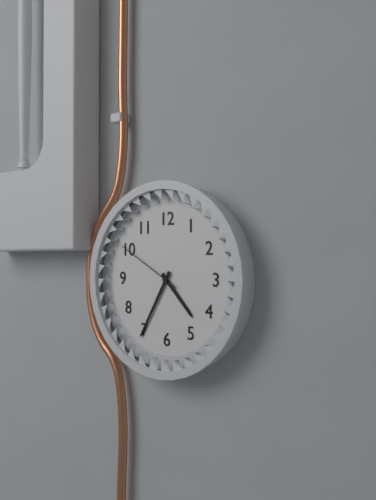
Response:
h=4 m=35 s=50
